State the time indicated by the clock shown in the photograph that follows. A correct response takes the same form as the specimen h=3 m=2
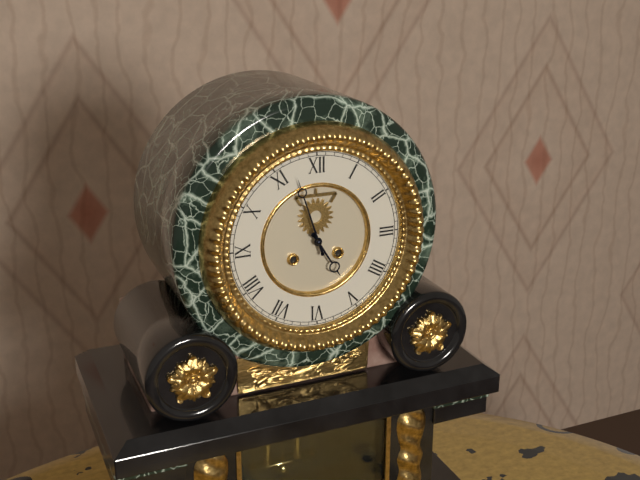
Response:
h=4 m=57
